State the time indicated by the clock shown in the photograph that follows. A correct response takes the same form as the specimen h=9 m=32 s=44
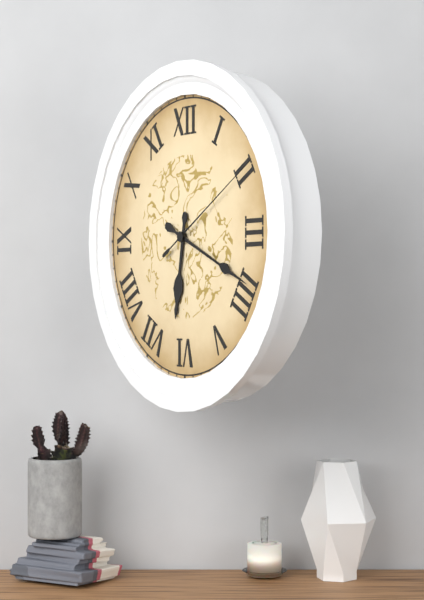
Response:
h=6 m=19 s=10
